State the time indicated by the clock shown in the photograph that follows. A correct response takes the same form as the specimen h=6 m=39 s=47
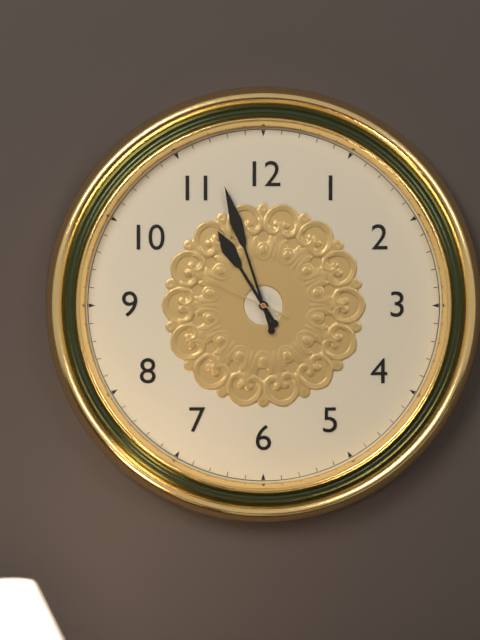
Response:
h=10 m=57 s=49
